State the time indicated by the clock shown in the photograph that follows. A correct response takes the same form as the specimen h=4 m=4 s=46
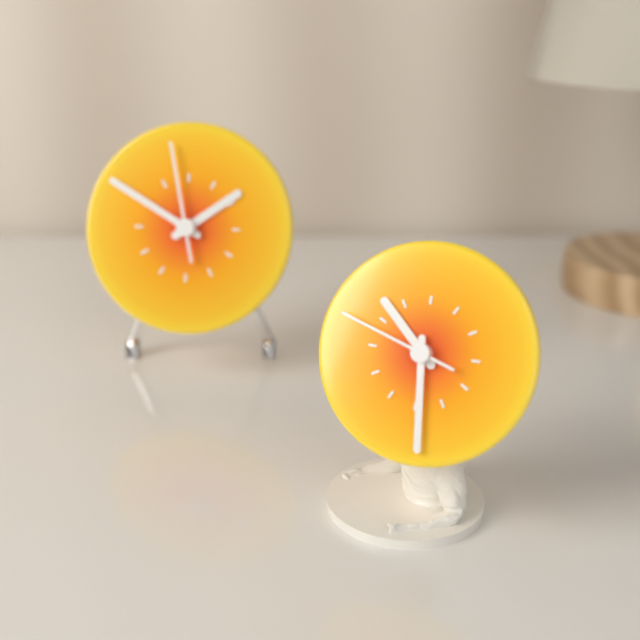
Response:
h=10 m=29 s=48
